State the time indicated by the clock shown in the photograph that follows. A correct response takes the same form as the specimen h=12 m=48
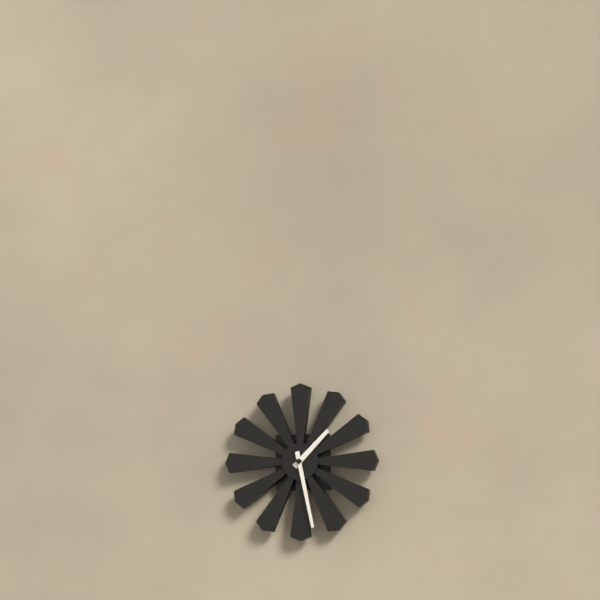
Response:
h=1 m=28
